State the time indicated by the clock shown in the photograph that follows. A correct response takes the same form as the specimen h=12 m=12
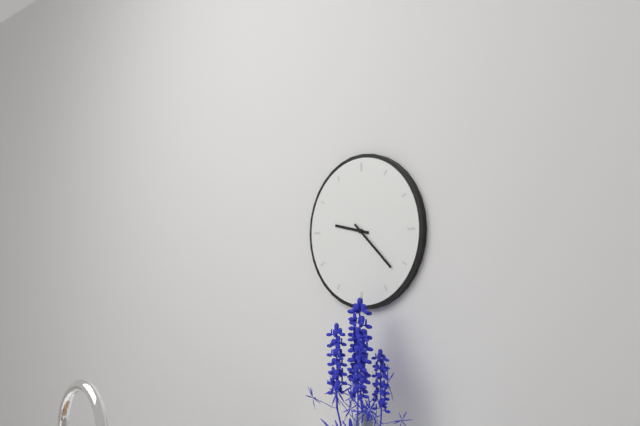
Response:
h=9 m=22
